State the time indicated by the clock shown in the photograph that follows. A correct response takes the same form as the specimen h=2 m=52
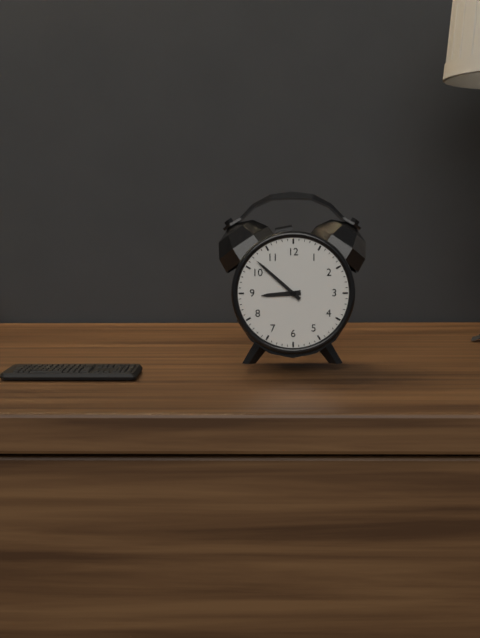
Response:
h=8 m=52
